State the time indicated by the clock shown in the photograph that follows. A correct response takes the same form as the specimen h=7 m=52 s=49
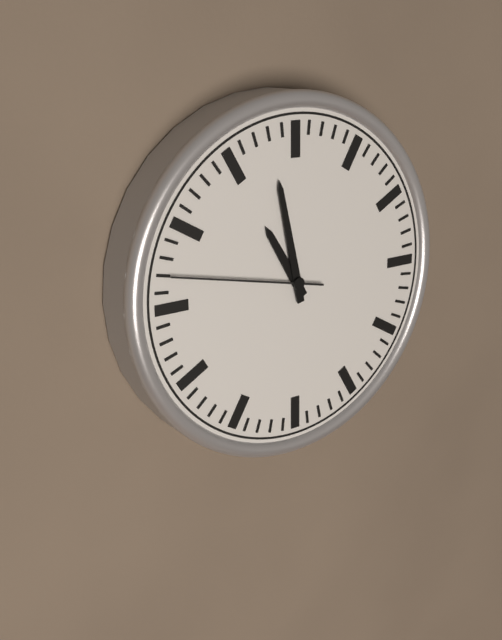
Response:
h=10 m=58 s=47
